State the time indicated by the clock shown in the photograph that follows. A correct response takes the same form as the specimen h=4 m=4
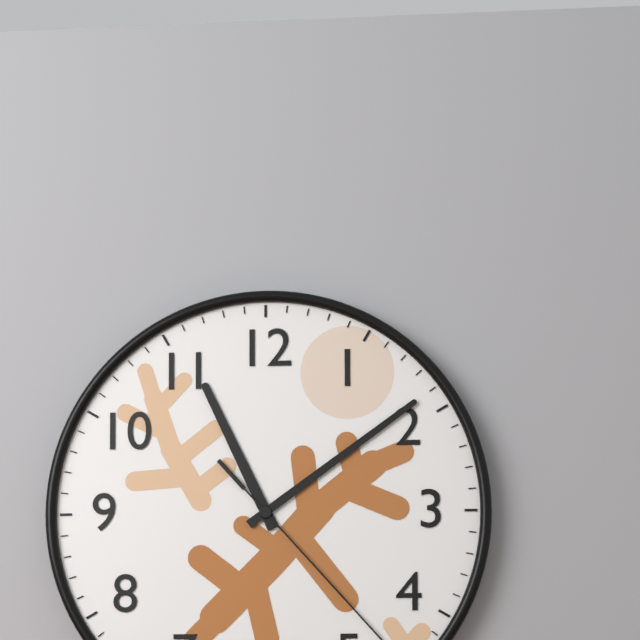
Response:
h=11 m=9
